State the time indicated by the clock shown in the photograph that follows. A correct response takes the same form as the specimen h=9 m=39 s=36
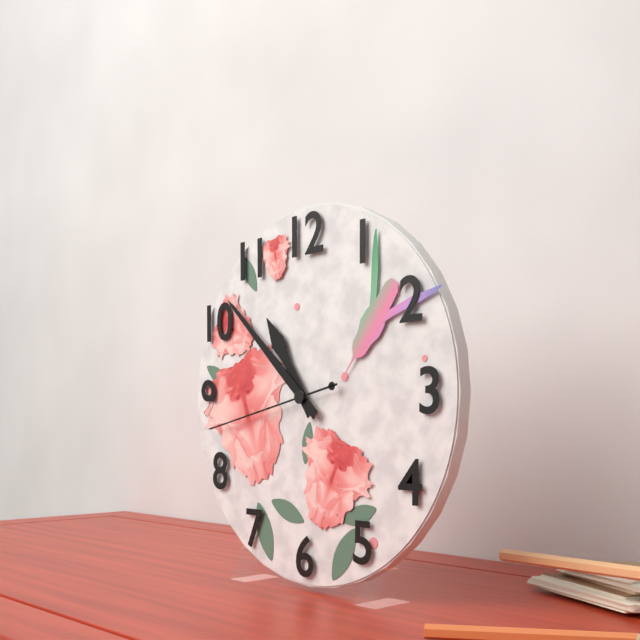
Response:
h=10 m=52 s=43
